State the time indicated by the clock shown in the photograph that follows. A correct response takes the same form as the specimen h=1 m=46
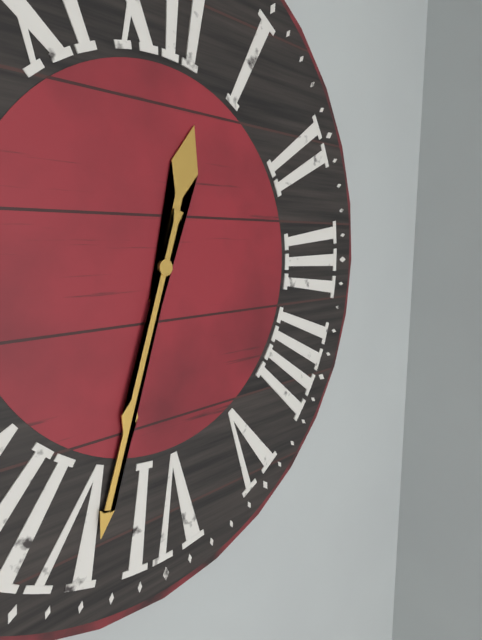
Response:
h=12 m=33
